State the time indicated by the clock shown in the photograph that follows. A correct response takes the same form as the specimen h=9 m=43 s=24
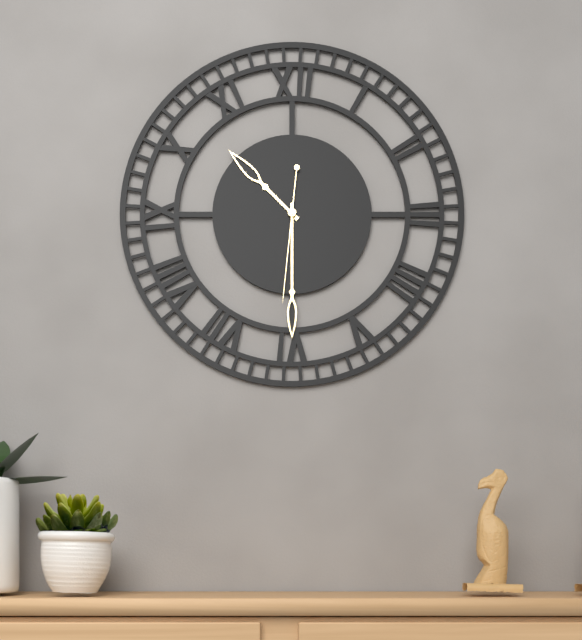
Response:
h=10 m=30 s=31
